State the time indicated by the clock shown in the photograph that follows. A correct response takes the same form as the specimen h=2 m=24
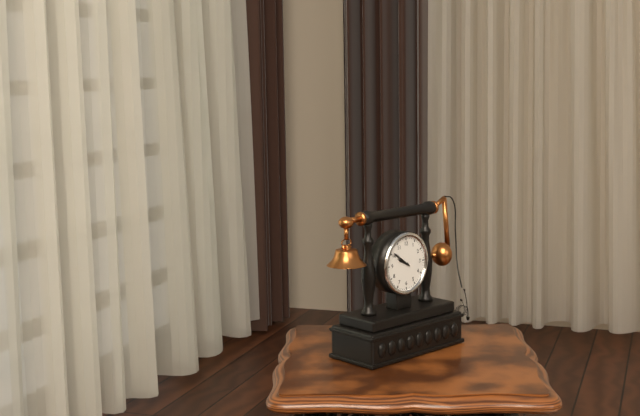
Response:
h=9 m=51
